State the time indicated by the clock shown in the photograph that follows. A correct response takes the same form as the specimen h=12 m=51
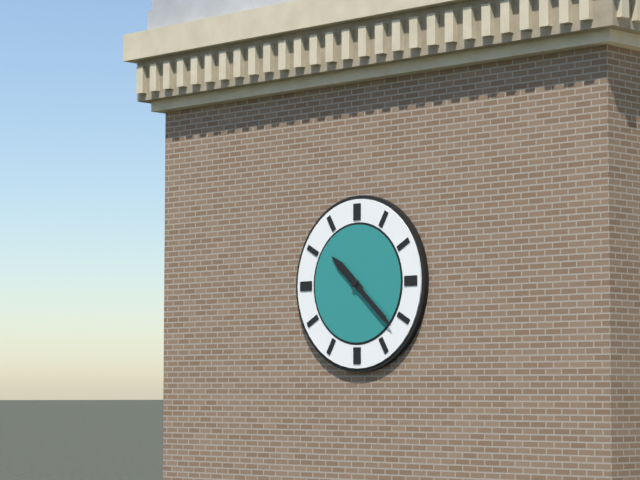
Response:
h=10 m=22
